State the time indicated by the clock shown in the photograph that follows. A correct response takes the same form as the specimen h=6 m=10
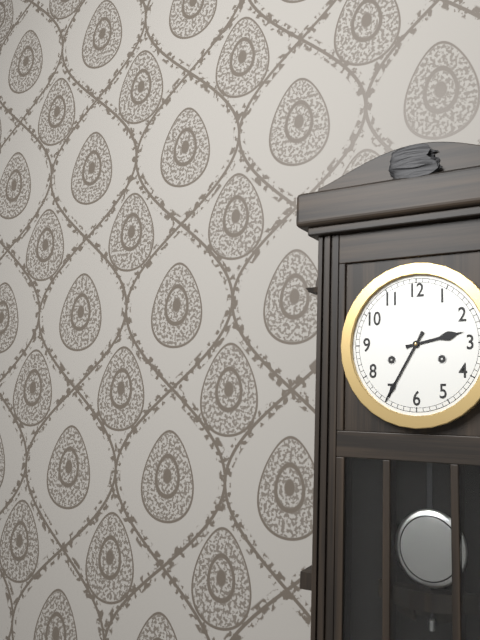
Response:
h=2 m=35
